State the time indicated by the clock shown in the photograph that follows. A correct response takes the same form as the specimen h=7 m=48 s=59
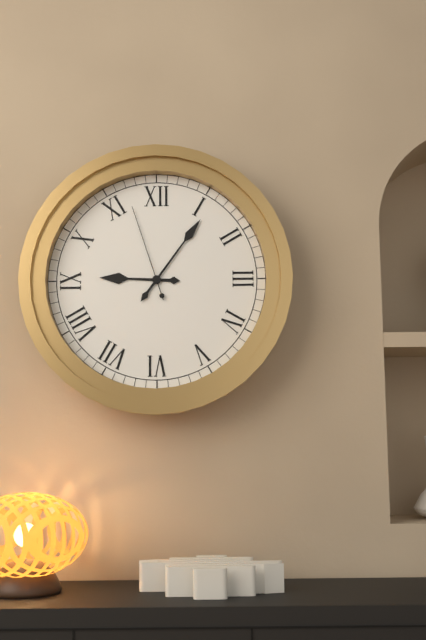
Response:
h=9 m=6 s=57
